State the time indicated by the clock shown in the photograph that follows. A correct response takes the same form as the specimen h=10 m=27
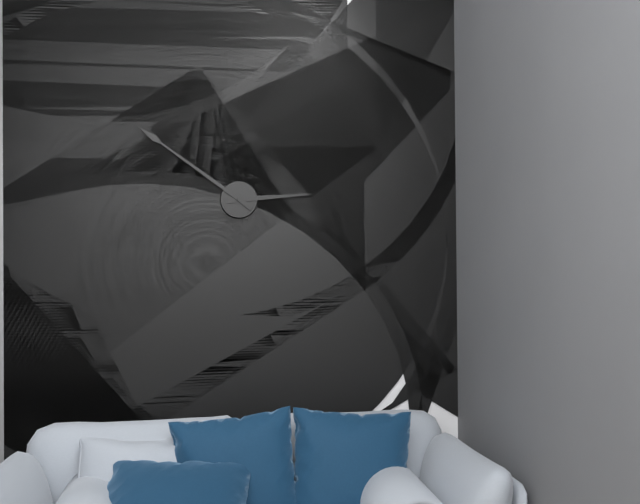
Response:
h=2 m=51
